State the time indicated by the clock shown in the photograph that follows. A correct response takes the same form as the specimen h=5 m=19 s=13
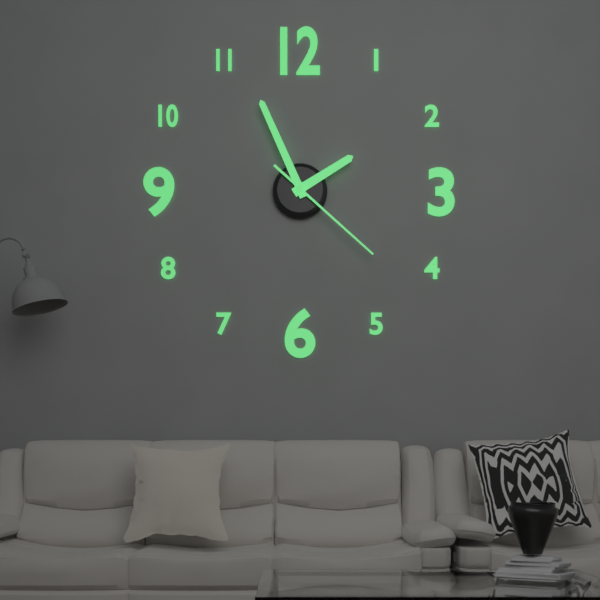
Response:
h=1 m=56 s=22
